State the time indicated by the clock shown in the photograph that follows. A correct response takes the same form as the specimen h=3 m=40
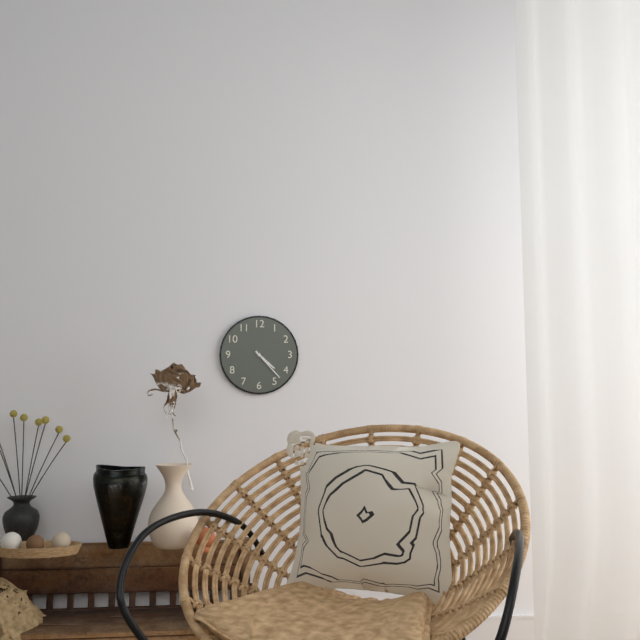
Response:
h=4 m=23
